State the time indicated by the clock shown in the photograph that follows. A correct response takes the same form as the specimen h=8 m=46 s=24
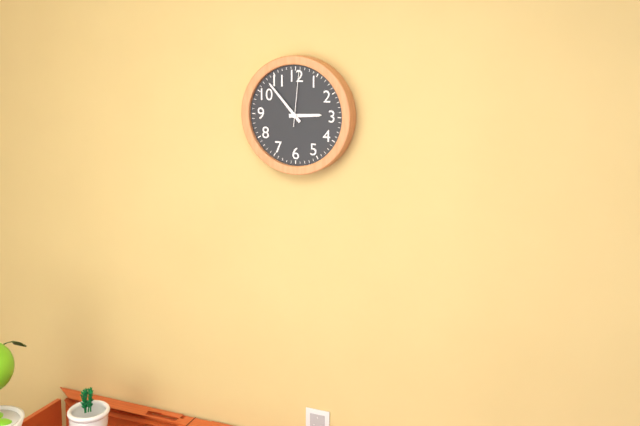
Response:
h=2 m=53 s=1
